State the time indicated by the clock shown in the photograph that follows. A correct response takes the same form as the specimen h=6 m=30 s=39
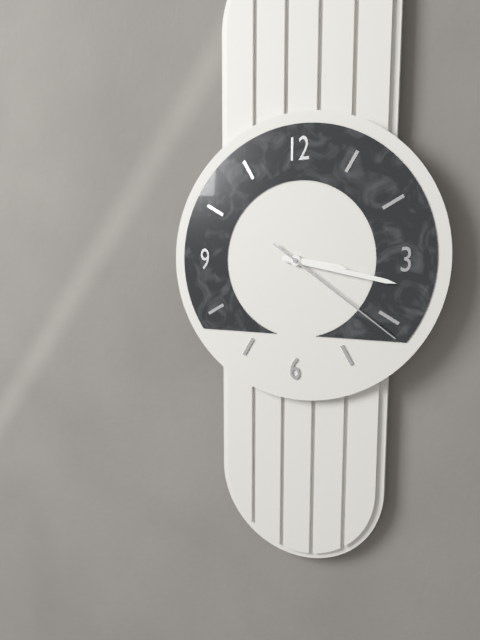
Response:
h=3 m=17 s=21
